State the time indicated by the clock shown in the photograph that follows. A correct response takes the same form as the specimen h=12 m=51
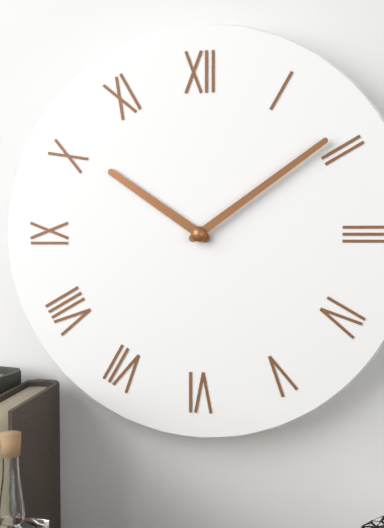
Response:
h=10 m=9
